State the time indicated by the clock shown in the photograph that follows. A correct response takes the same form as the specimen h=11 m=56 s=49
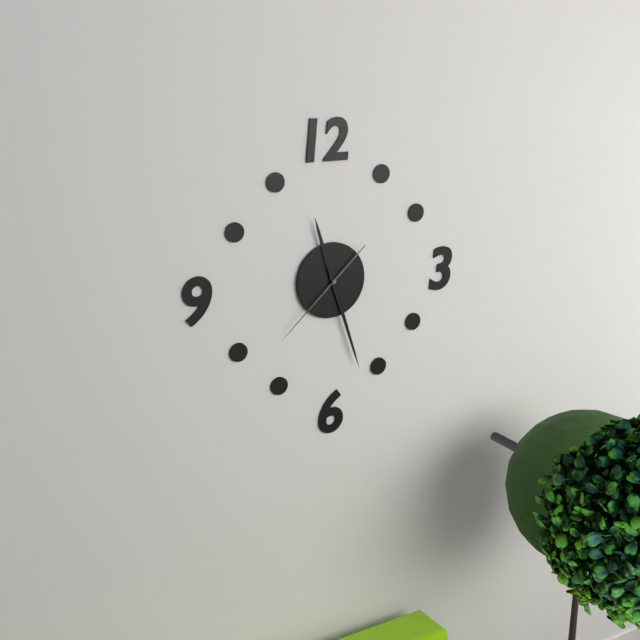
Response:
h=11 m=27 s=38
